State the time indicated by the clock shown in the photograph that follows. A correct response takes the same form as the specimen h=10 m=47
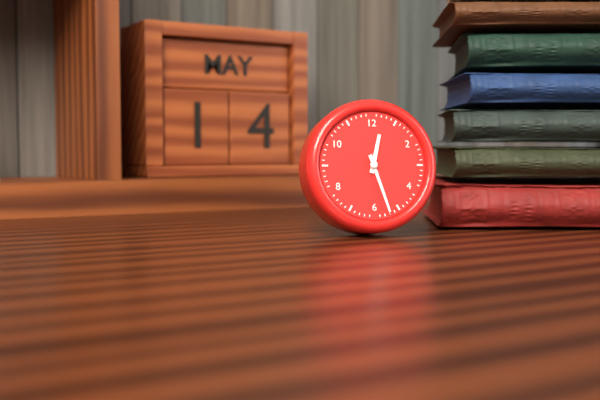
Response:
h=12 m=27
